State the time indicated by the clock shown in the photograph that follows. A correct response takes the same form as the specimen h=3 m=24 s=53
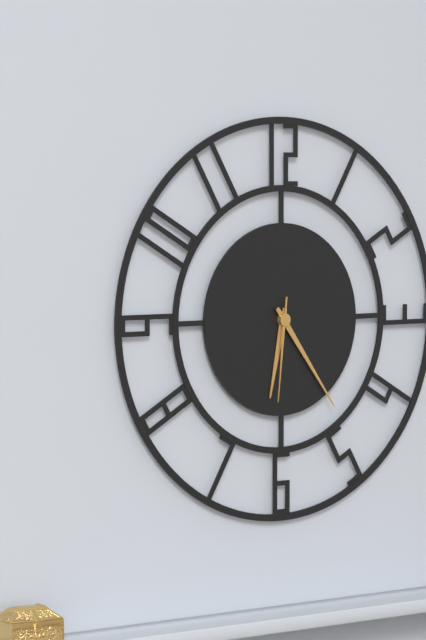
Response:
h=6 m=24 s=31
